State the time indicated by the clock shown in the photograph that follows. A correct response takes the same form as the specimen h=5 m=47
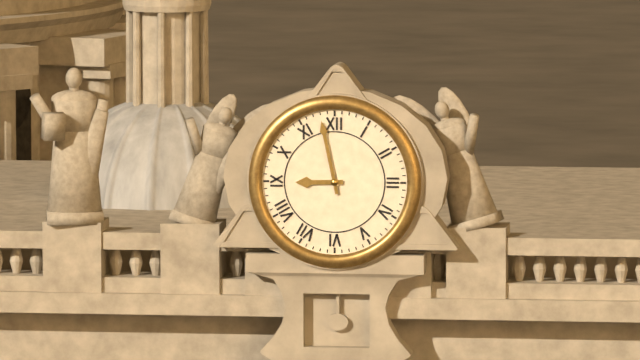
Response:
h=8 m=58
